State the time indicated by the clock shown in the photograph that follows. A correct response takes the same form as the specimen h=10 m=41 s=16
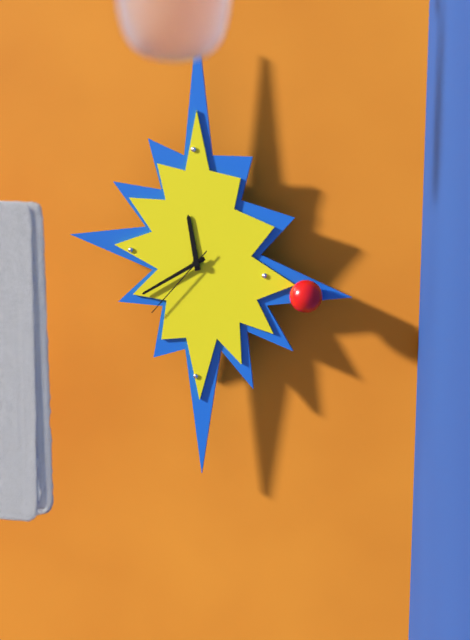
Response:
h=11 m=40 s=37
